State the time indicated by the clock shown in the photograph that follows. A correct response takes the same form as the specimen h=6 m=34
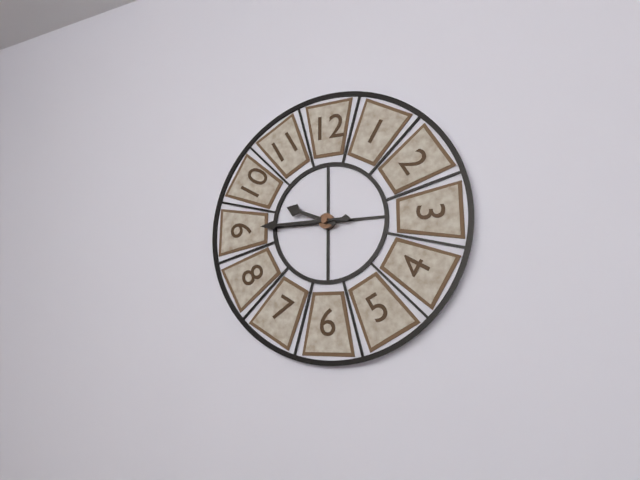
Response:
h=9 m=45
